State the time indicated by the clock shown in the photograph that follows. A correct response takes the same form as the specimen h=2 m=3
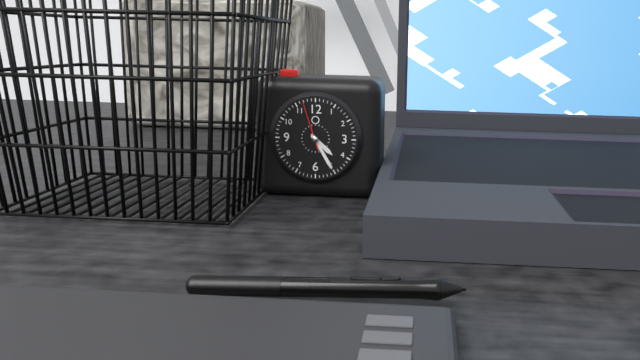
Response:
h=4 m=25
